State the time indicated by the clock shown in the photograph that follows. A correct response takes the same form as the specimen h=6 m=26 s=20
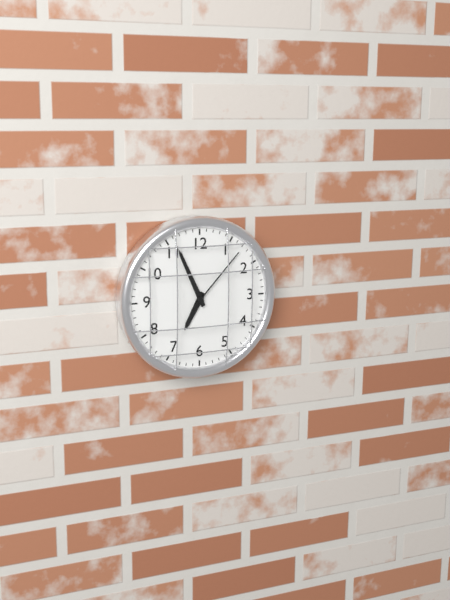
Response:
h=6 m=56 s=7
